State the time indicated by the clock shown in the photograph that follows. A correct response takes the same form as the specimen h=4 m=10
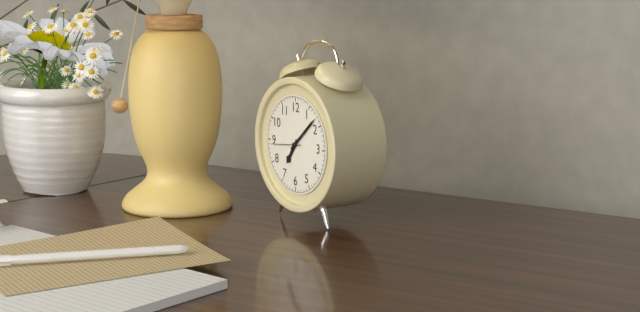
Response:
h=7 m=8
